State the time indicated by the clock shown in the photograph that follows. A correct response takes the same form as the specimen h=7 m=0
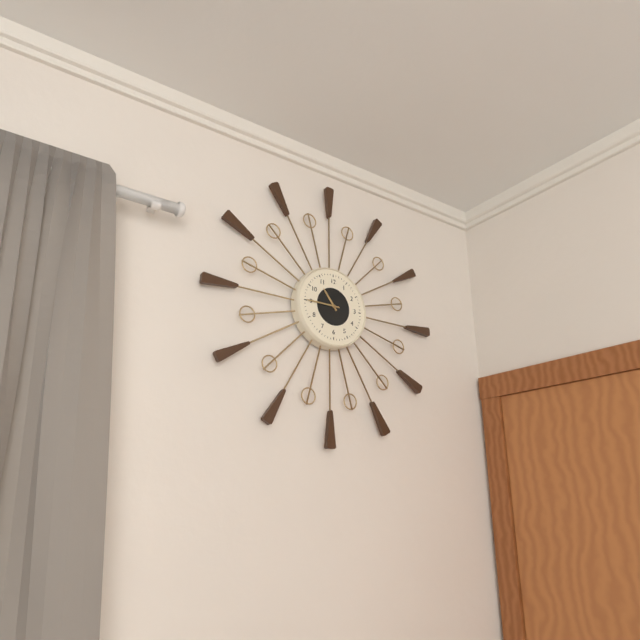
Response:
h=10 m=45
